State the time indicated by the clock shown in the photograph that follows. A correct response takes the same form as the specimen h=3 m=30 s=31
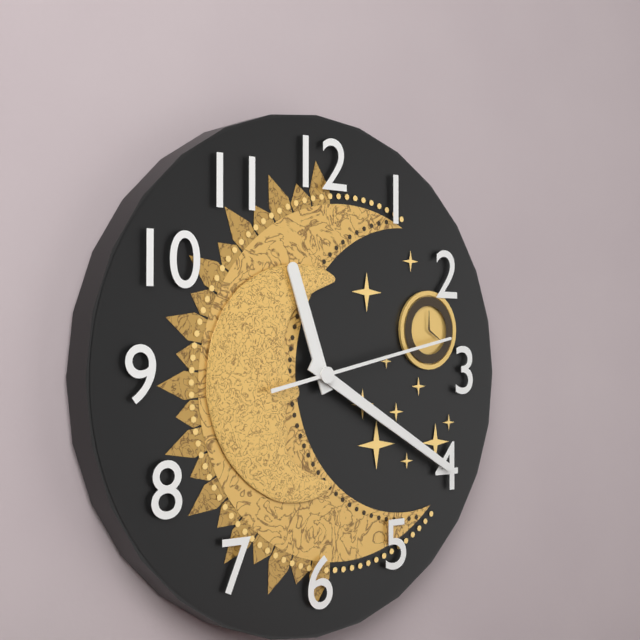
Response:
h=11 m=20 s=13
